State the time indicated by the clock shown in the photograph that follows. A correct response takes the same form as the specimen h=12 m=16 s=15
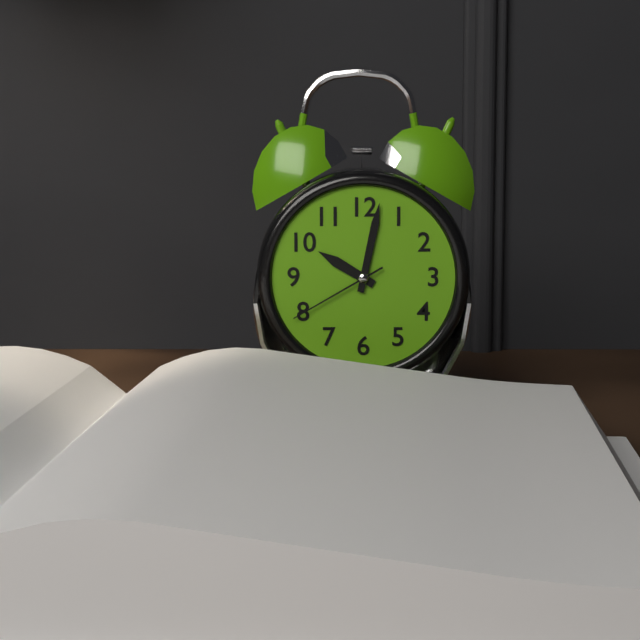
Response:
h=10 m=2 s=40
